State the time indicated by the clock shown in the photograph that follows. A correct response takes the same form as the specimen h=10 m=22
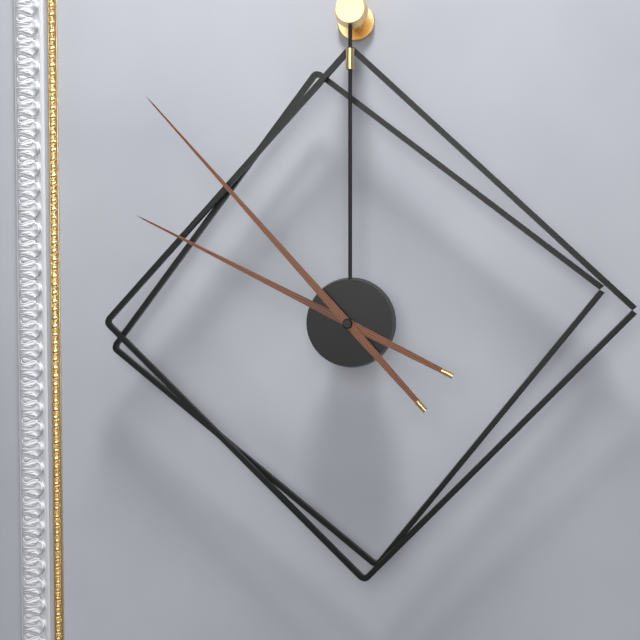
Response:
h=9 m=53
